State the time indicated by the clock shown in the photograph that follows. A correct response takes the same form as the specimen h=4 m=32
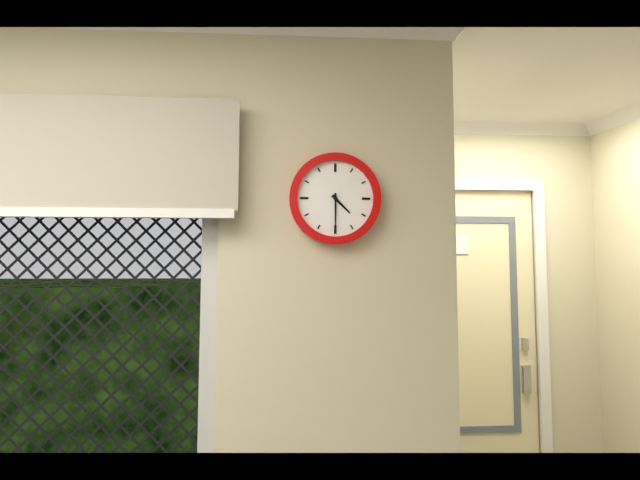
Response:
h=4 m=30
